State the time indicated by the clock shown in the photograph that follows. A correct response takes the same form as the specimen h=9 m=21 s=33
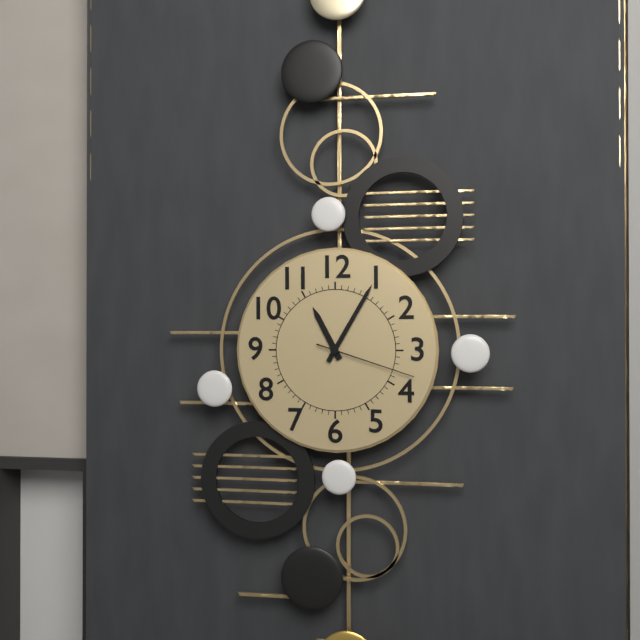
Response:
h=11 m=5 s=18
